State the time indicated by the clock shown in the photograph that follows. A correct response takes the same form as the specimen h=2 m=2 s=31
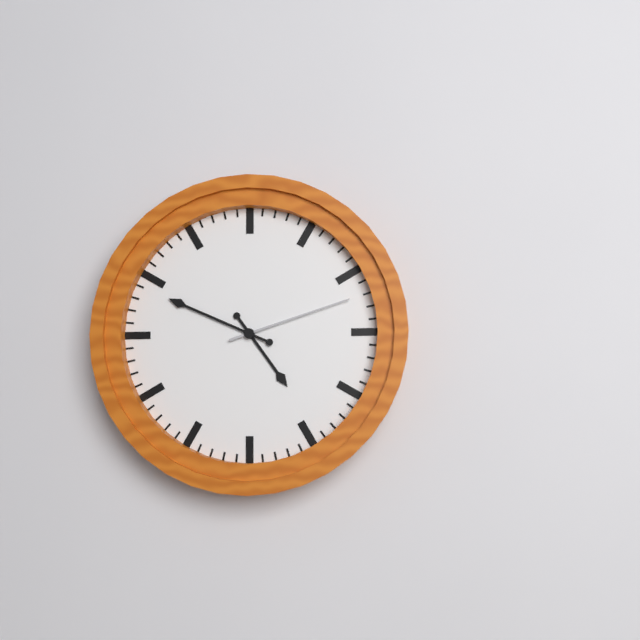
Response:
h=4 m=49 s=12
